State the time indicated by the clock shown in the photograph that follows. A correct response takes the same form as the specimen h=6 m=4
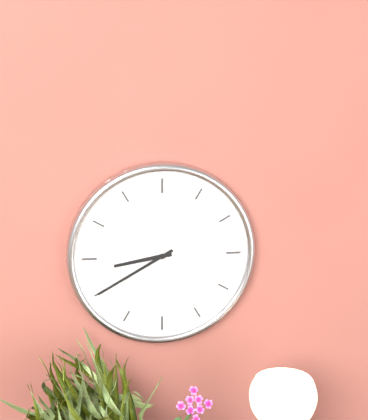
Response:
h=8 m=40
